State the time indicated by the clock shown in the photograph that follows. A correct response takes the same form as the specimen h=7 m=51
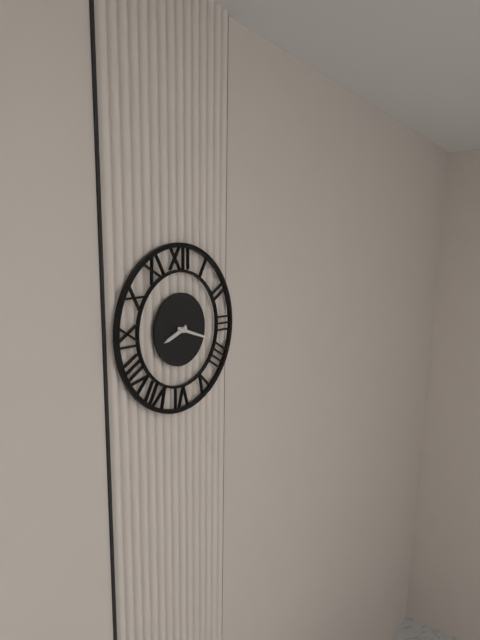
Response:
h=8 m=18
